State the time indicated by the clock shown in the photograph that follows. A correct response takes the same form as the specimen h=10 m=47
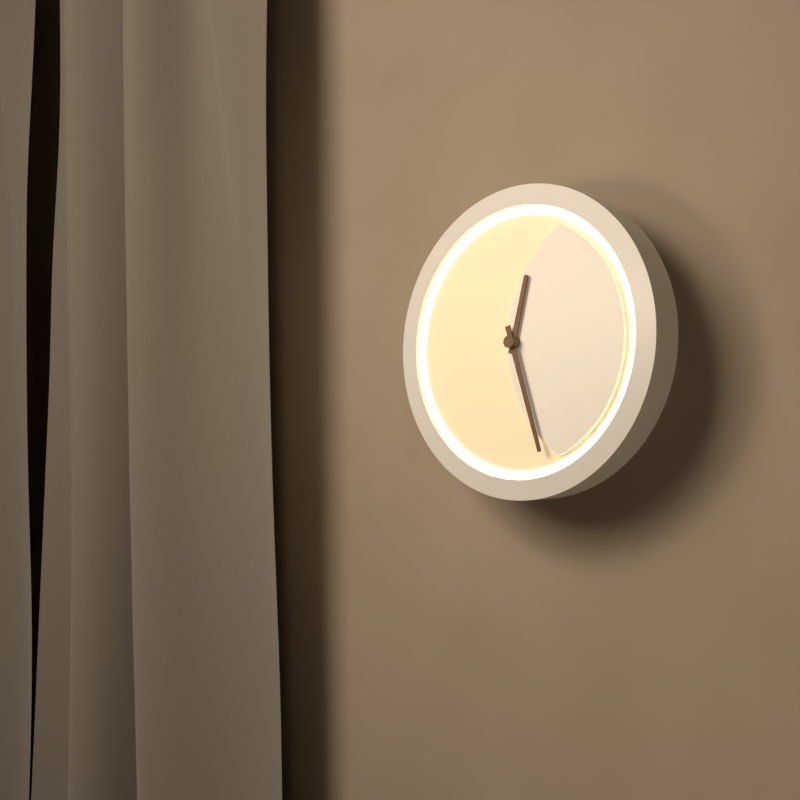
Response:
h=12 m=27
